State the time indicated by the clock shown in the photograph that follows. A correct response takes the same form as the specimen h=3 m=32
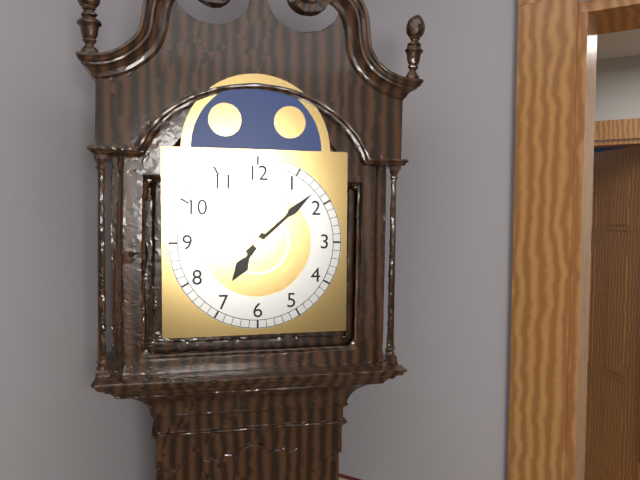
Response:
h=7 m=8
